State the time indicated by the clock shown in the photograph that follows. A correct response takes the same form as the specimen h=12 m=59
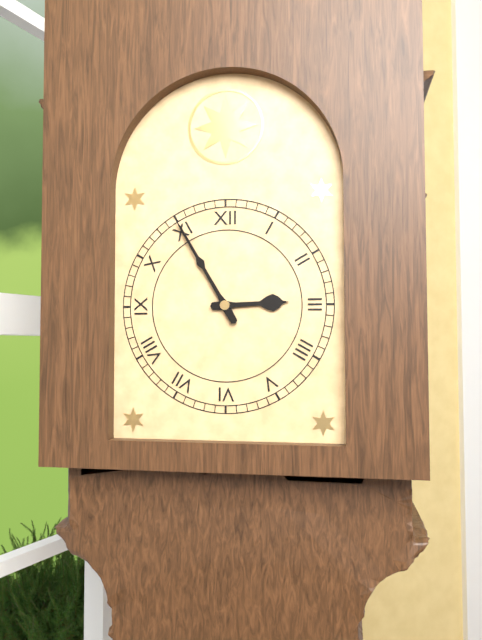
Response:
h=2 m=55
